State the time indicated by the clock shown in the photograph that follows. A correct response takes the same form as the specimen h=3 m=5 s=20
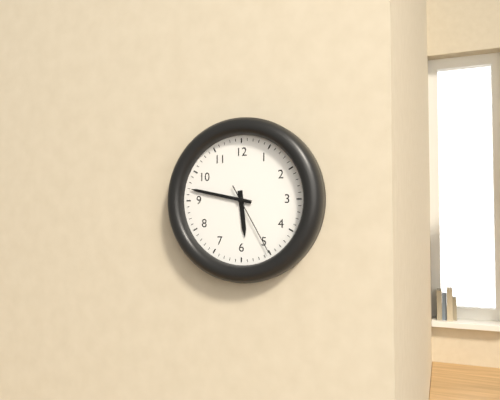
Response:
h=5 m=47 s=25
